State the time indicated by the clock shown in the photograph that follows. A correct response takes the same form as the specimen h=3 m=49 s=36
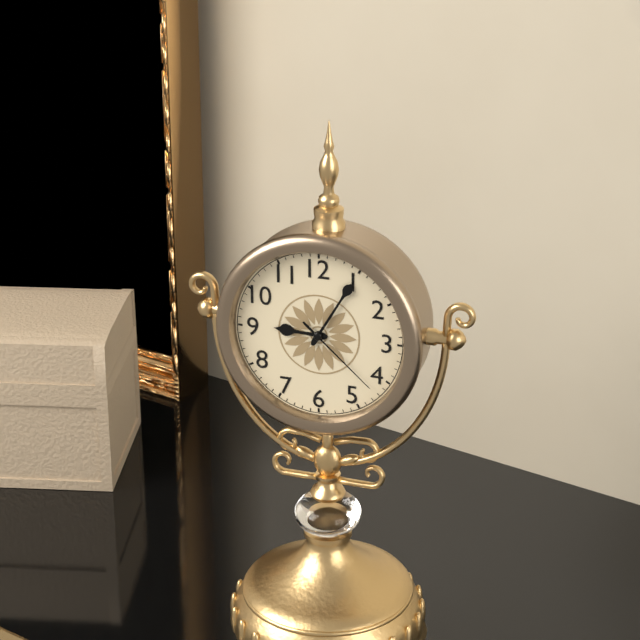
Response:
h=9 m=5 s=22
